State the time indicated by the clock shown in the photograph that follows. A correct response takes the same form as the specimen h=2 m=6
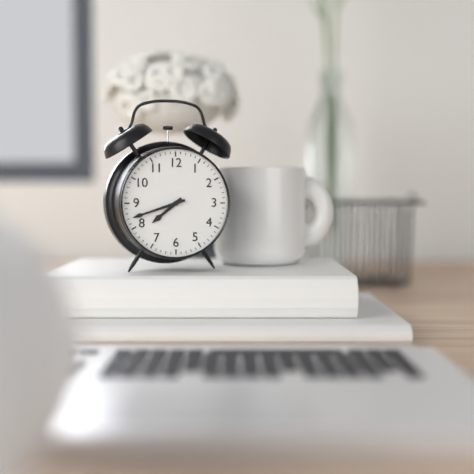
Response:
h=7 m=42
